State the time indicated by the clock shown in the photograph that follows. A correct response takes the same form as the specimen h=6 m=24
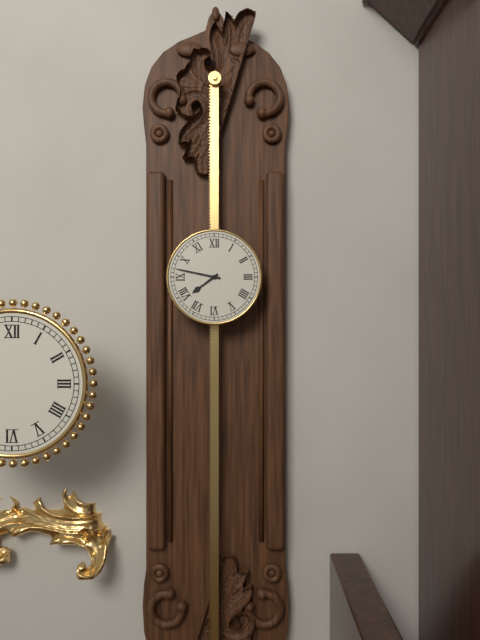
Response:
h=7 m=47
